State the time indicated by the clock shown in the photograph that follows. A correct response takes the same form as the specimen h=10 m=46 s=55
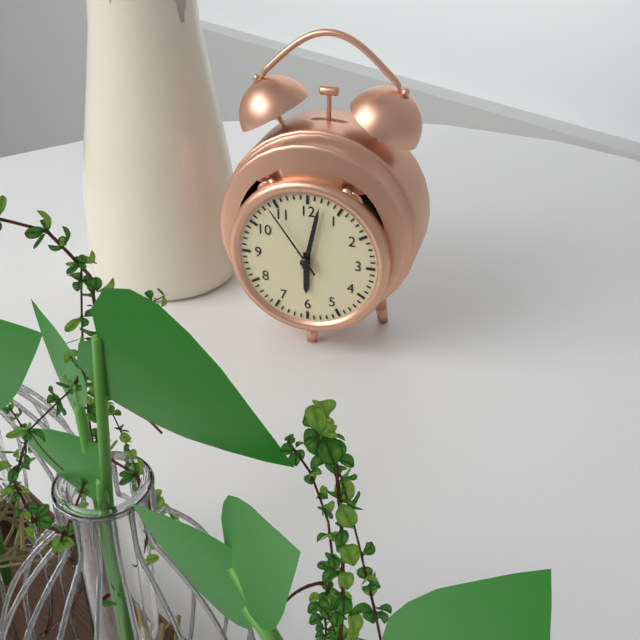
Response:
h=6 m=2 s=54
